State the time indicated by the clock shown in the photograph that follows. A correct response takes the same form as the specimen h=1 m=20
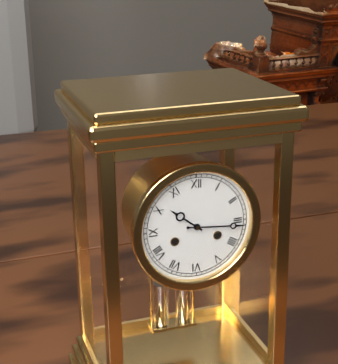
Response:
h=10 m=16
